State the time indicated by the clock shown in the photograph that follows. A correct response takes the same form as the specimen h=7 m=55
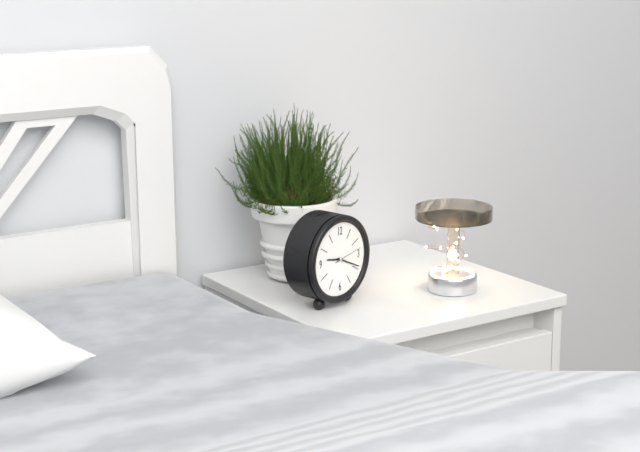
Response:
h=9 m=19
